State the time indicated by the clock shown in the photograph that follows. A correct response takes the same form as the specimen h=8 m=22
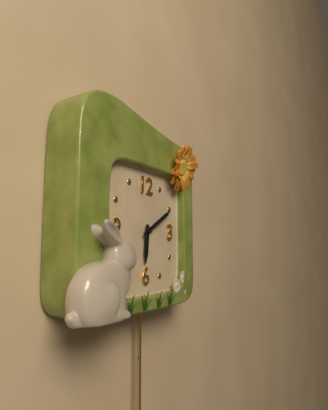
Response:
h=6 m=10
